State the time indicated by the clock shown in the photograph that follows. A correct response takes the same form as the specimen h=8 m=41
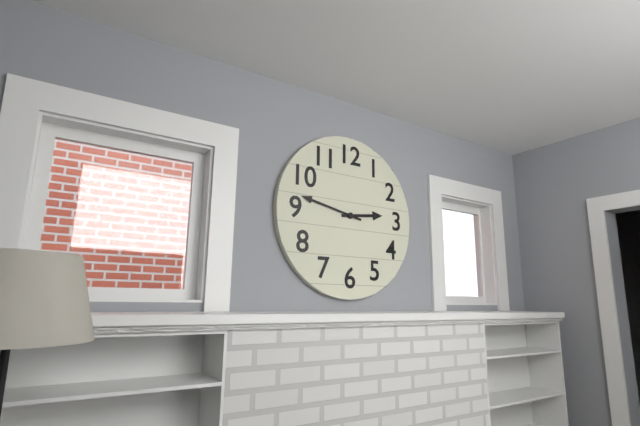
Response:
h=2 m=47
